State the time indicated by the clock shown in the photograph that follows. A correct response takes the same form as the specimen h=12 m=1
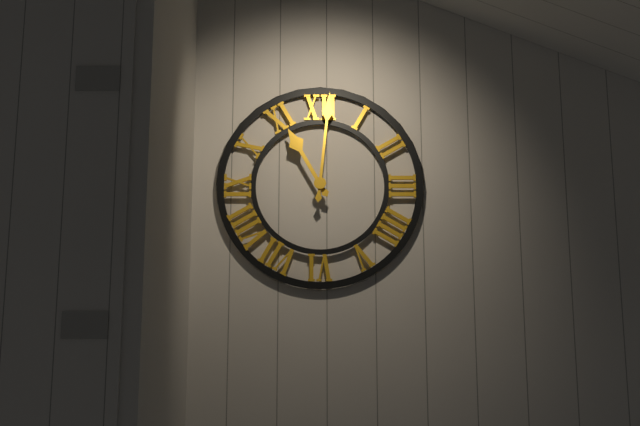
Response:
h=11 m=1
